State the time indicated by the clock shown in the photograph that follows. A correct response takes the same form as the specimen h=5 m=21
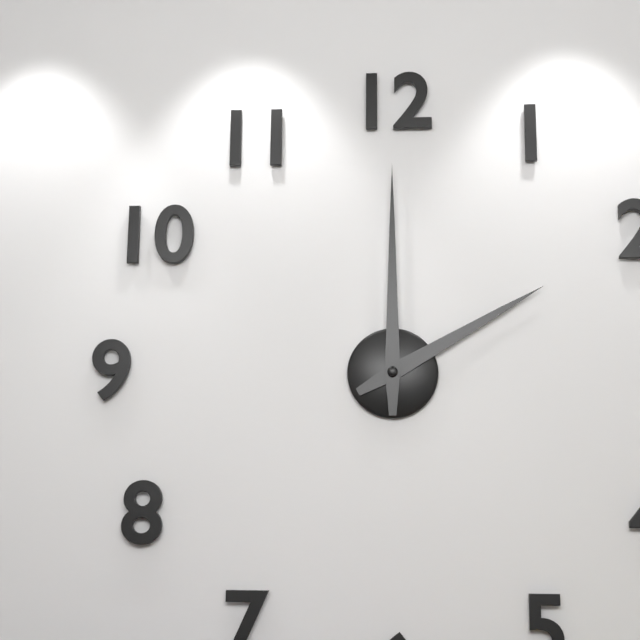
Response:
h=2 m=0
